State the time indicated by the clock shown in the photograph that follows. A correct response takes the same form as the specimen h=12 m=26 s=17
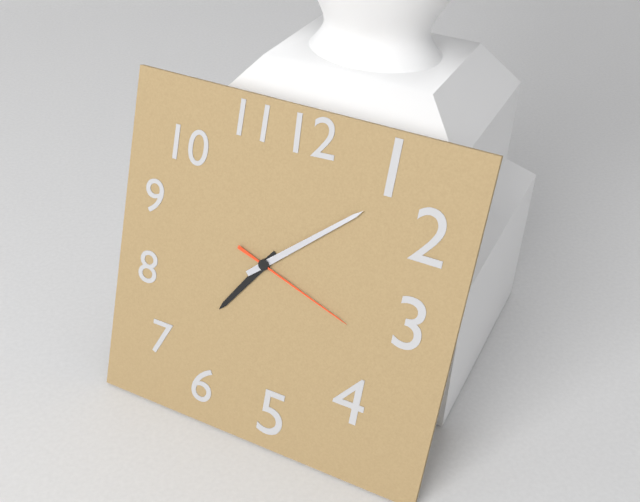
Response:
h=7 m=8 s=18
